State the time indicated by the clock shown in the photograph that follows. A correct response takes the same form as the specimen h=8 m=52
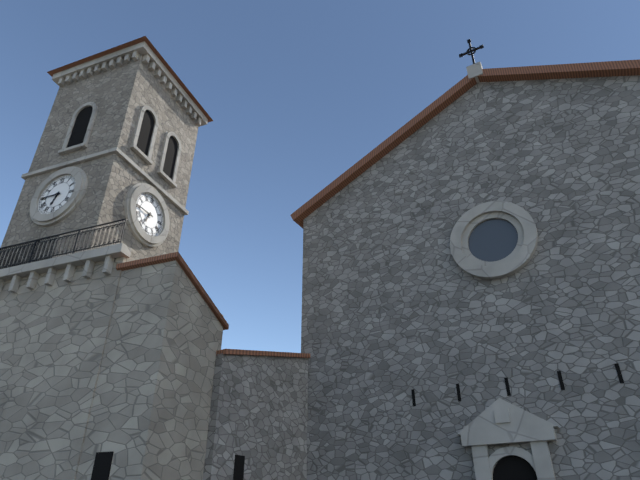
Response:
h=6 m=45
